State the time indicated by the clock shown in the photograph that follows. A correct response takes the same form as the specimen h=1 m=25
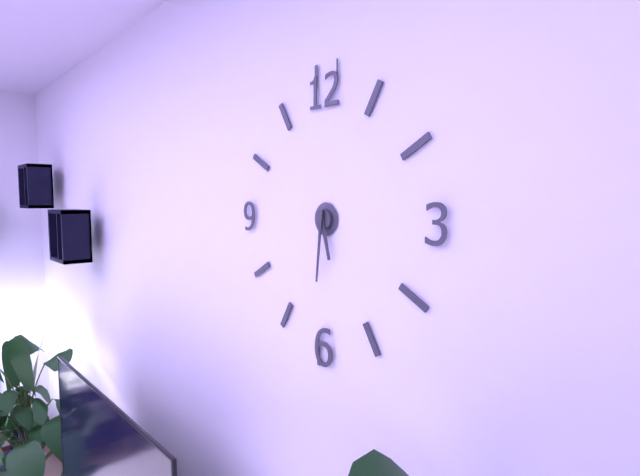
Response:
h=5 m=31
